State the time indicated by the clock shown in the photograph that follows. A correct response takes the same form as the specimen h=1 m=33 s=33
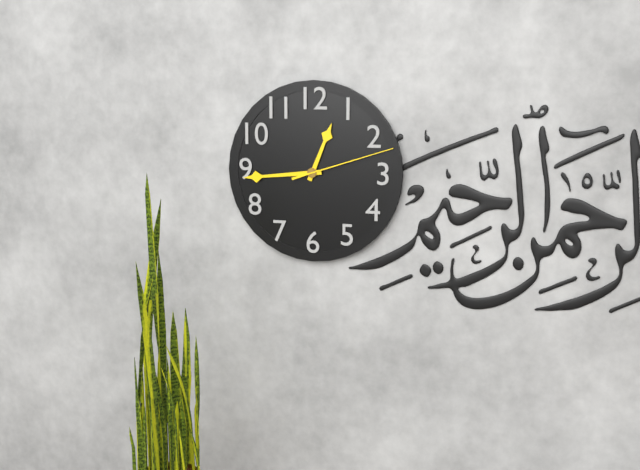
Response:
h=12 m=44 s=12
